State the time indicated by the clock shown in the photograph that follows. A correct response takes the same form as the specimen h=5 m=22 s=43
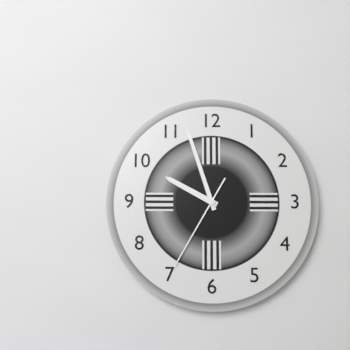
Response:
h=9 m=57 s=35
